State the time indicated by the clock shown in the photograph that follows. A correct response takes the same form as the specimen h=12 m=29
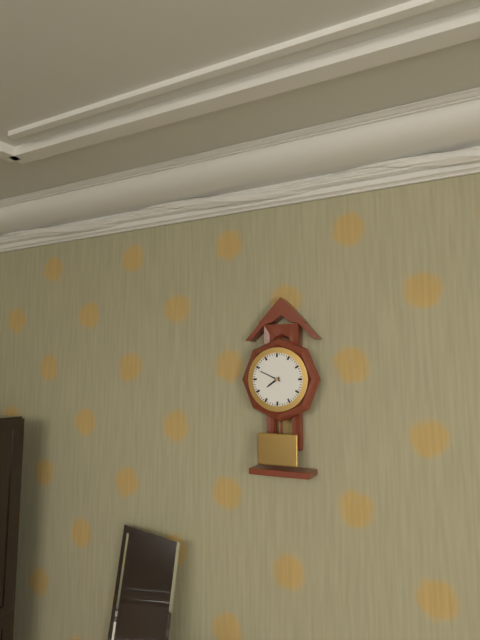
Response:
h=7 m=49
